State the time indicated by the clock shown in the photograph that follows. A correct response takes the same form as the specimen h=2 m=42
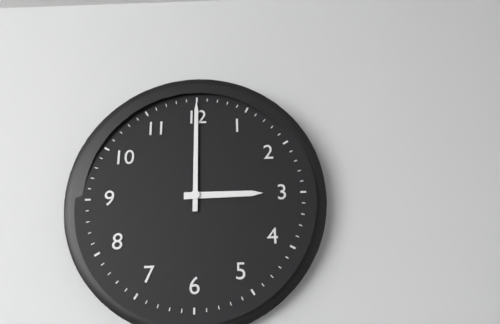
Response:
h=3 m=0
